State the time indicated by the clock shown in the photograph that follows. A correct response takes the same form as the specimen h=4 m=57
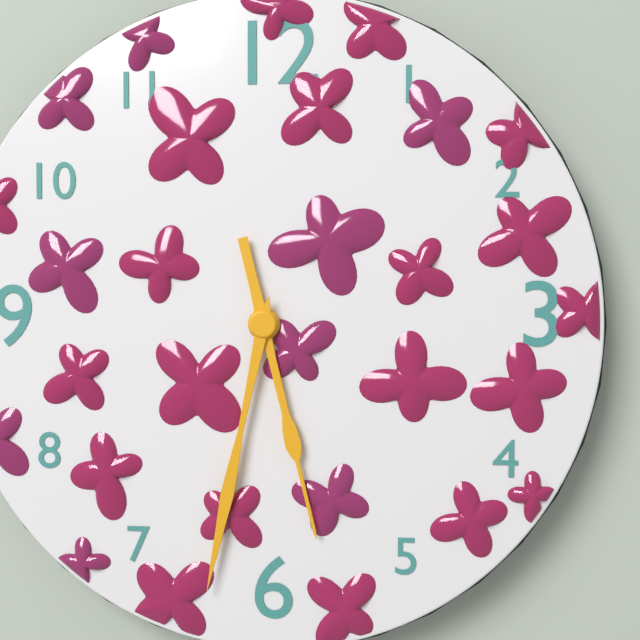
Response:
h=5 m=32
